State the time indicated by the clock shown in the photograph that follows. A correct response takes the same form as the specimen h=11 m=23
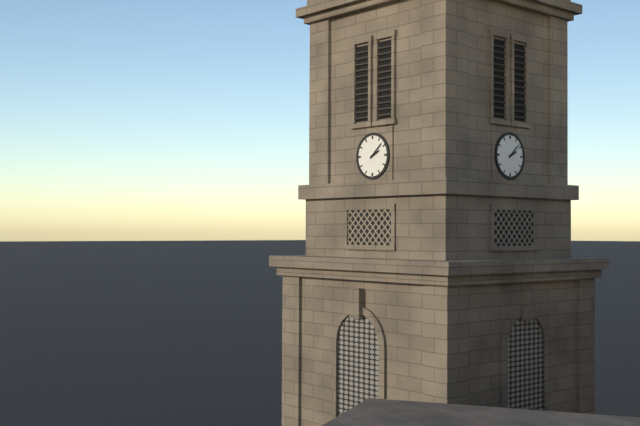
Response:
h=2 m=8
